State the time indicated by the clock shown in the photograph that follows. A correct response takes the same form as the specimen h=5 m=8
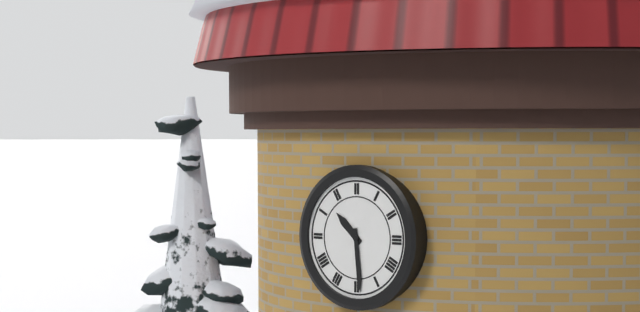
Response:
h=10 m=29
